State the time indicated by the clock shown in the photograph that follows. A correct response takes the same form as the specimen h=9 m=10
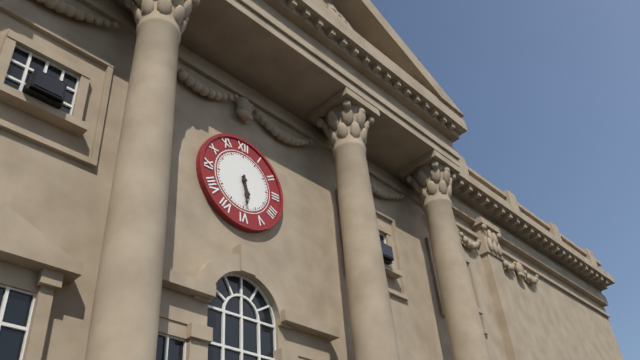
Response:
h=5 m=29
